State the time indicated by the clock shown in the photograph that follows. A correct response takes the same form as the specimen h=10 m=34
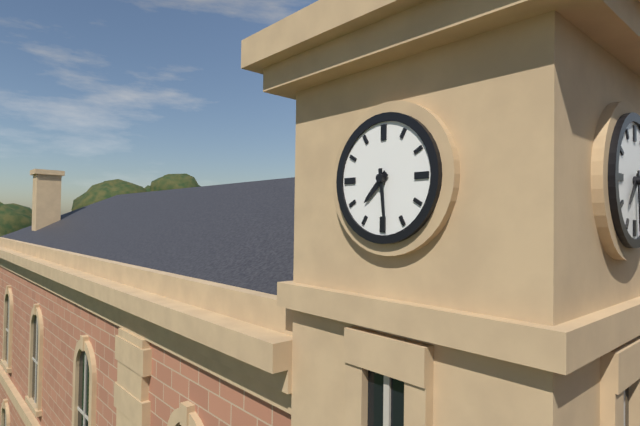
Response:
h=7 m=29
